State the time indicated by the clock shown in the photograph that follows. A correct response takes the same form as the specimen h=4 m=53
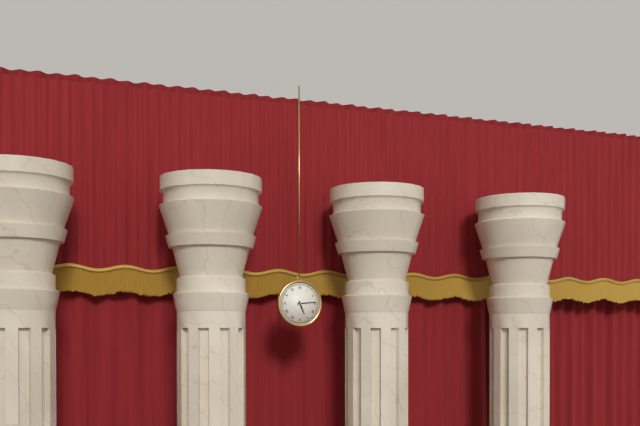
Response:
h=5 m=14
